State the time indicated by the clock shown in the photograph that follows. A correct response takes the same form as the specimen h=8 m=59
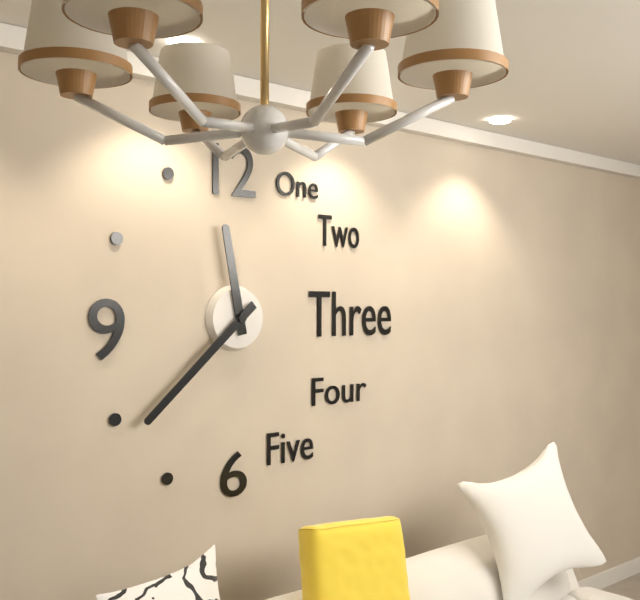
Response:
h=11 m=38
